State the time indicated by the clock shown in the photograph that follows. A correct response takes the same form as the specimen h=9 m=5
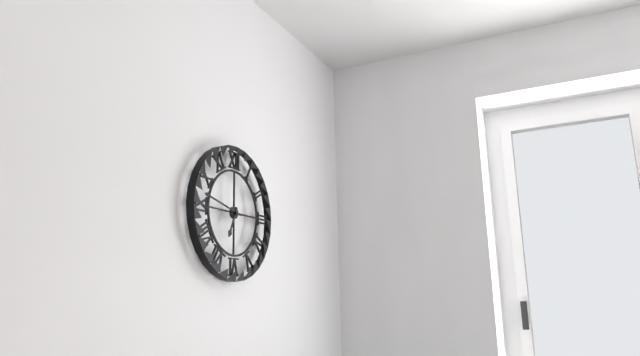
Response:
h=6 m=47
